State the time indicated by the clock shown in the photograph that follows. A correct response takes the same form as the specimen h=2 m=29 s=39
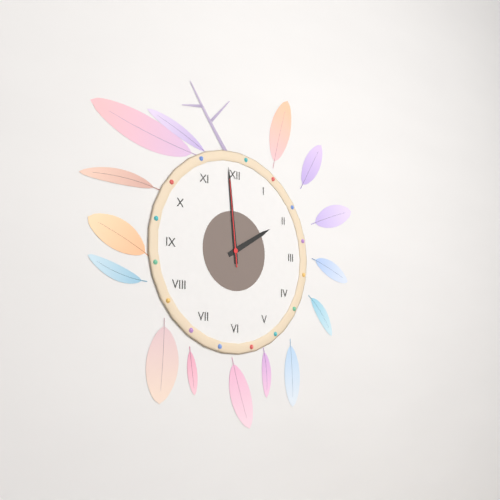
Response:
h=1 m=59 s=59
